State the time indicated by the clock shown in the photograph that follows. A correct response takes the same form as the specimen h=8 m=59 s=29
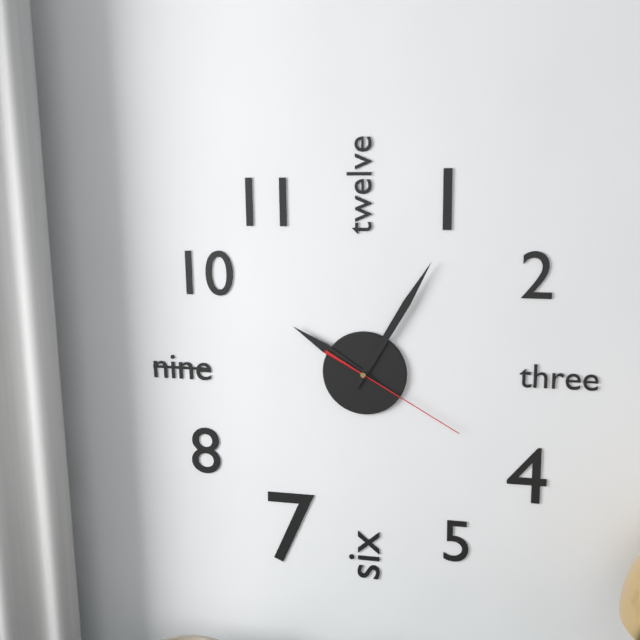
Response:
h=10 m=5 s=20
